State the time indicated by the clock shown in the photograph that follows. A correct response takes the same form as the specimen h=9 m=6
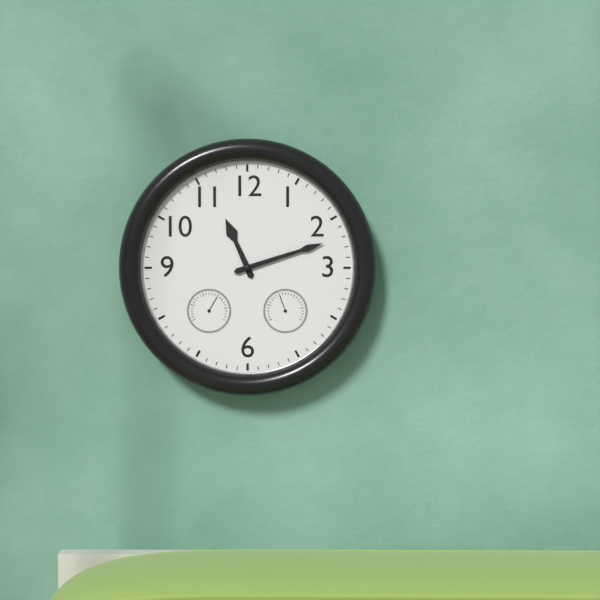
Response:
h=11 m=12
